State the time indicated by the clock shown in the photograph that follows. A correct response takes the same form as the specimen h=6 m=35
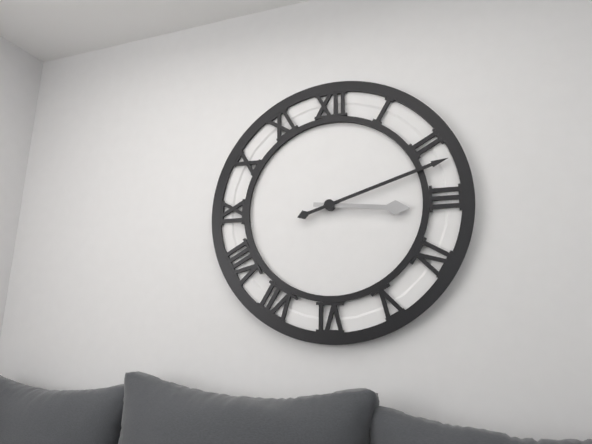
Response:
h=3 m=12
